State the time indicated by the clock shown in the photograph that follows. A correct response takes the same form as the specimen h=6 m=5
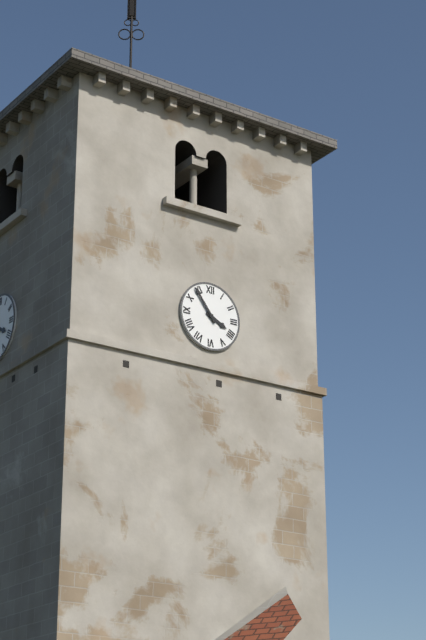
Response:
h=3 m=54
